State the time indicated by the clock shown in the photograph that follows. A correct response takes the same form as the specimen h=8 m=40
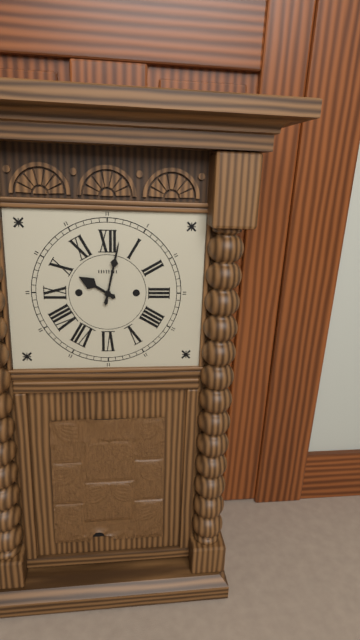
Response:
h=10 m=2
